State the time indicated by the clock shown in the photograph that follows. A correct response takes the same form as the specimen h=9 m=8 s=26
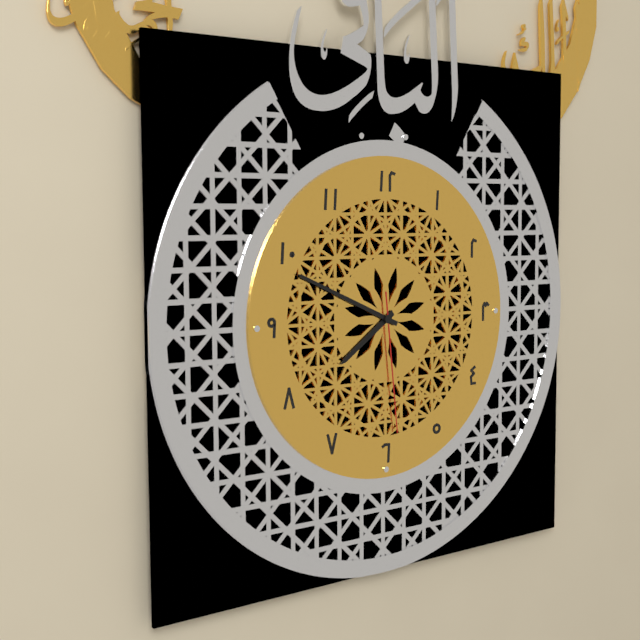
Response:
h=7 m=49 s=29
